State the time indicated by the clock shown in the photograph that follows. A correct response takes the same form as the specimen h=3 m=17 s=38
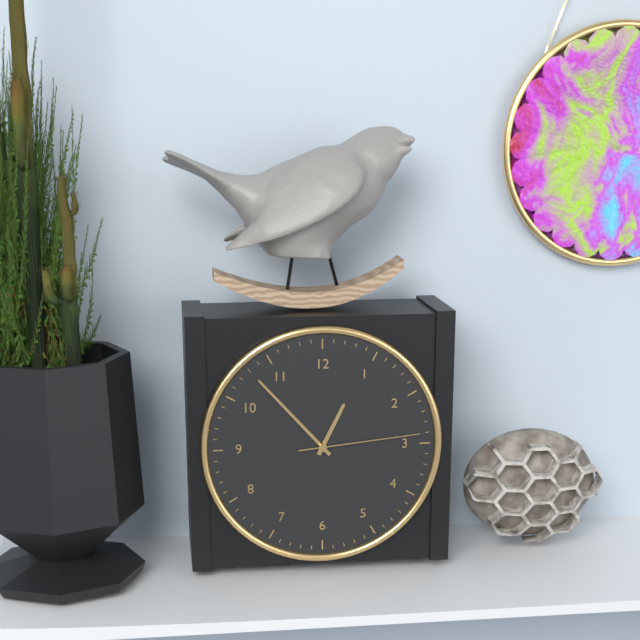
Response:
h=12 m=53 s=14
